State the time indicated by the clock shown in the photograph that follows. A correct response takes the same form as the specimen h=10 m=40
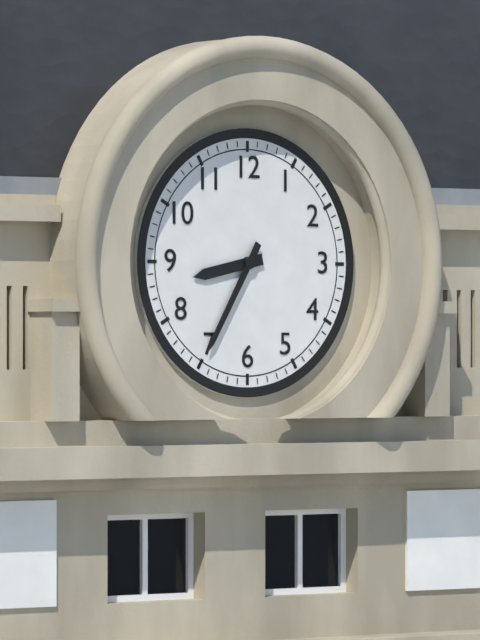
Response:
h=8 m=35
